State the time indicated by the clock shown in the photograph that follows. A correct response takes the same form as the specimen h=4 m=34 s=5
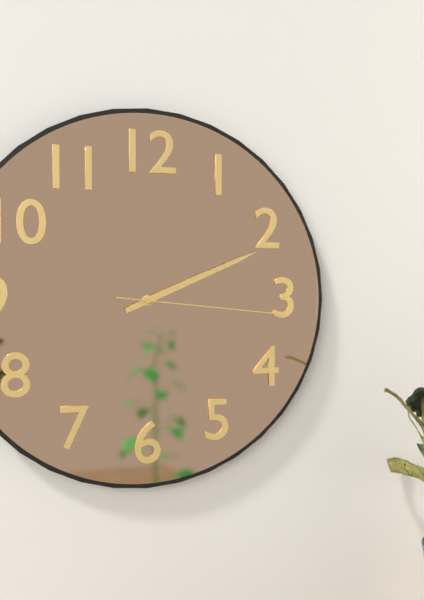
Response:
h=2 m=11 s=16
